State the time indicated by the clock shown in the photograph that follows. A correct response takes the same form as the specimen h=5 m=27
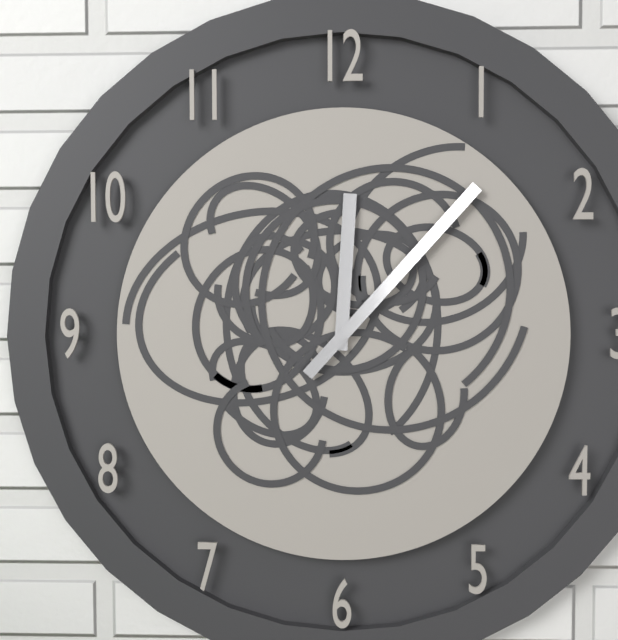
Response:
h=12 m=7
